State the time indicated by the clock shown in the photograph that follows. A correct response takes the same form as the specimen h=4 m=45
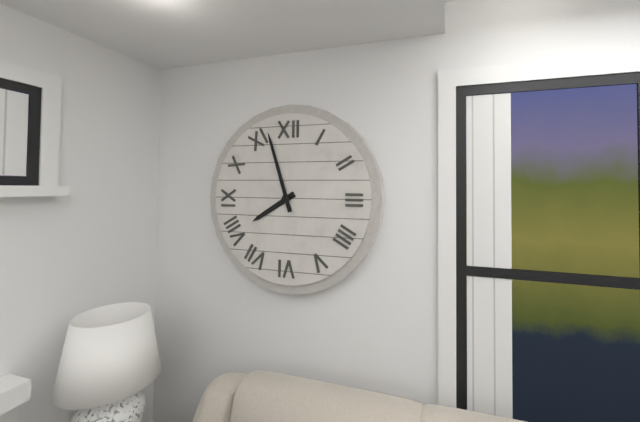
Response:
h=7 m=57
